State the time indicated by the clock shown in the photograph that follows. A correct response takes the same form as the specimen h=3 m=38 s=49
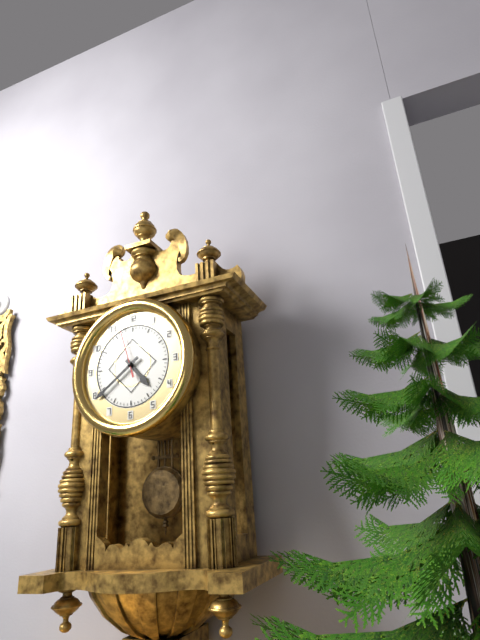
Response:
h=4 m=39 s=57
